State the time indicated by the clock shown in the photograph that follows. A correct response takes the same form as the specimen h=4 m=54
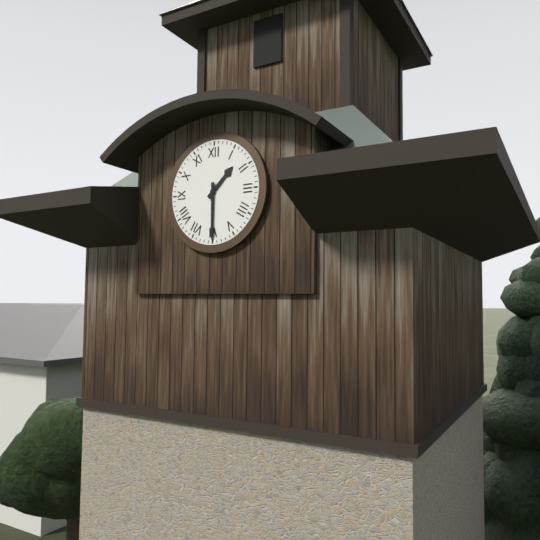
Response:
h=1 m=30
